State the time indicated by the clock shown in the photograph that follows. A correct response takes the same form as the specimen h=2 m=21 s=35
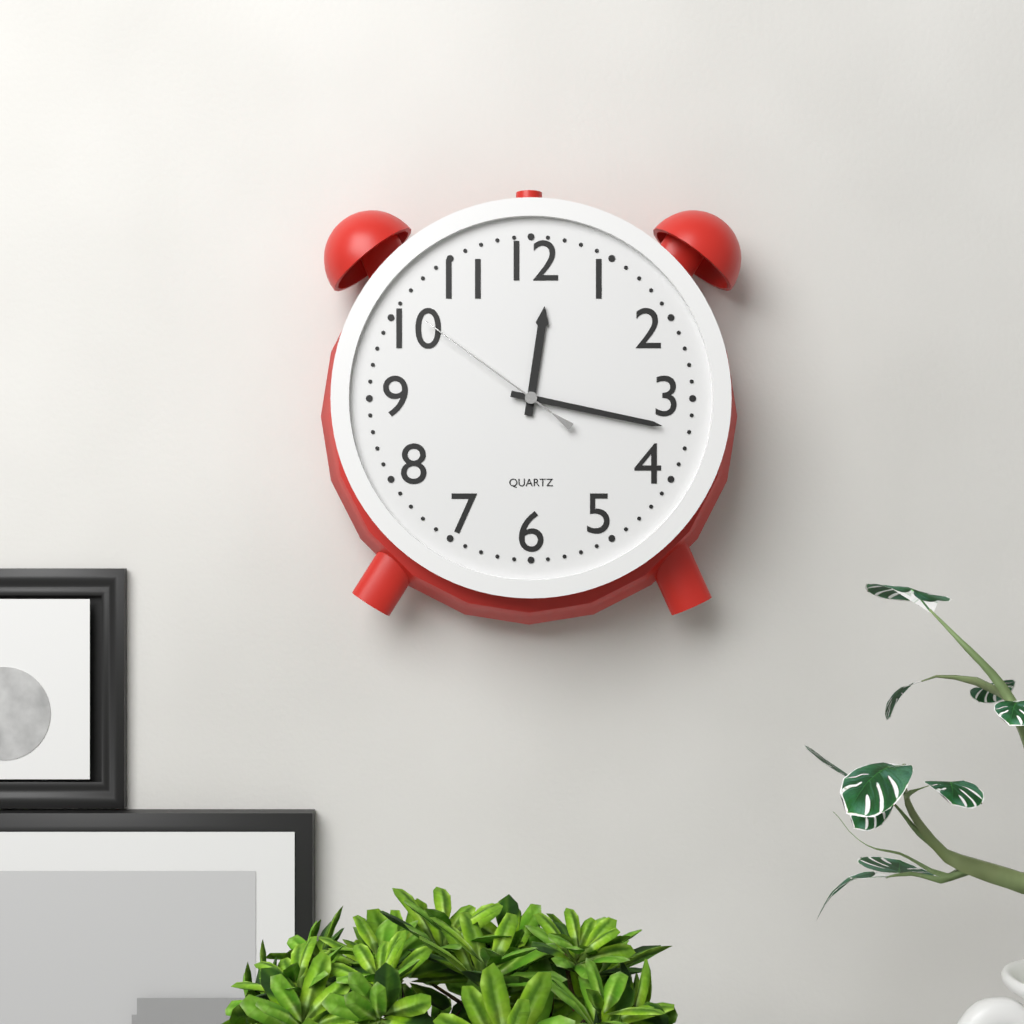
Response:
h=12 m=17 s=51
